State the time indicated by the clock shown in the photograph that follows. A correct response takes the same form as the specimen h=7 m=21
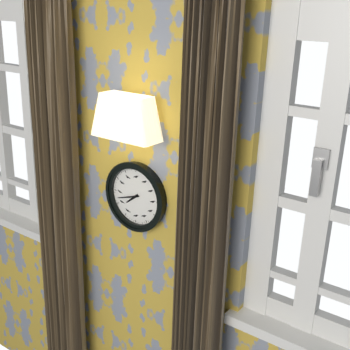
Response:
h=7 m=42
